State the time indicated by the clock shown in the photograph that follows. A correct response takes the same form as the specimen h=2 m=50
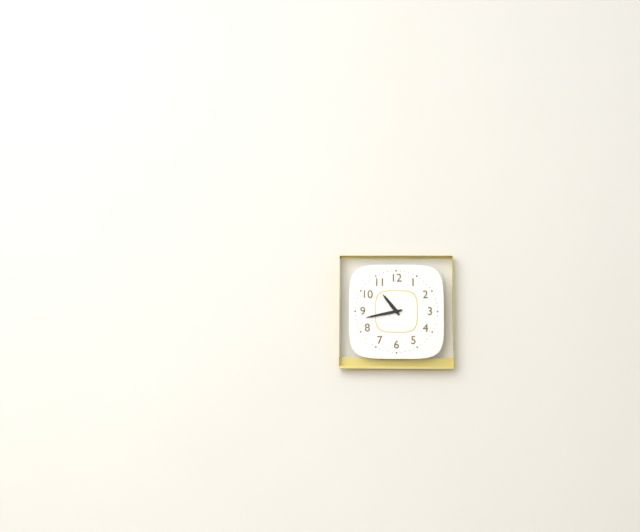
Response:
h=10 m=43
